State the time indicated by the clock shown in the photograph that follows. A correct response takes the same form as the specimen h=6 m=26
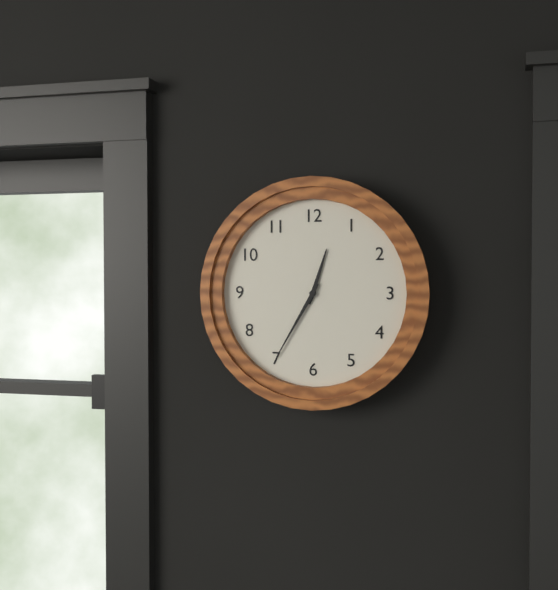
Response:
h=12 m=35
